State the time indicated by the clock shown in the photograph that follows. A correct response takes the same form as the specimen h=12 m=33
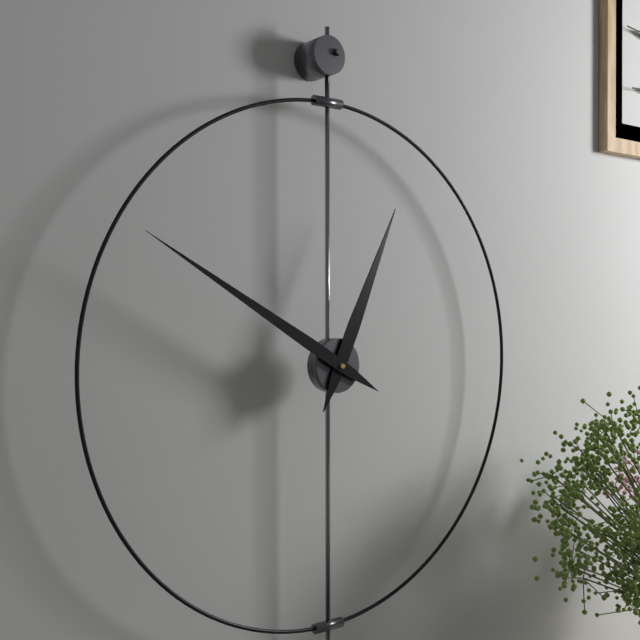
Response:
h=12 m=50
